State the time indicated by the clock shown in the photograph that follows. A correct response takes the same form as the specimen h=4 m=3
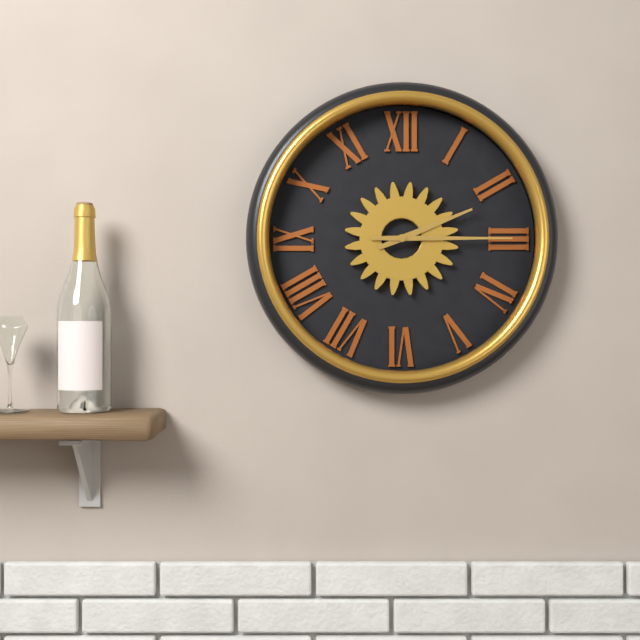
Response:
h=2 m=15
